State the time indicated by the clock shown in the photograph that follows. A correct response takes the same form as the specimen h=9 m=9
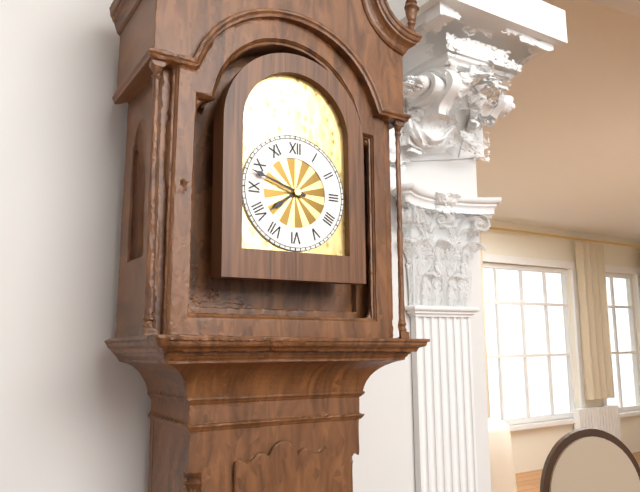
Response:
h=7 m=48
